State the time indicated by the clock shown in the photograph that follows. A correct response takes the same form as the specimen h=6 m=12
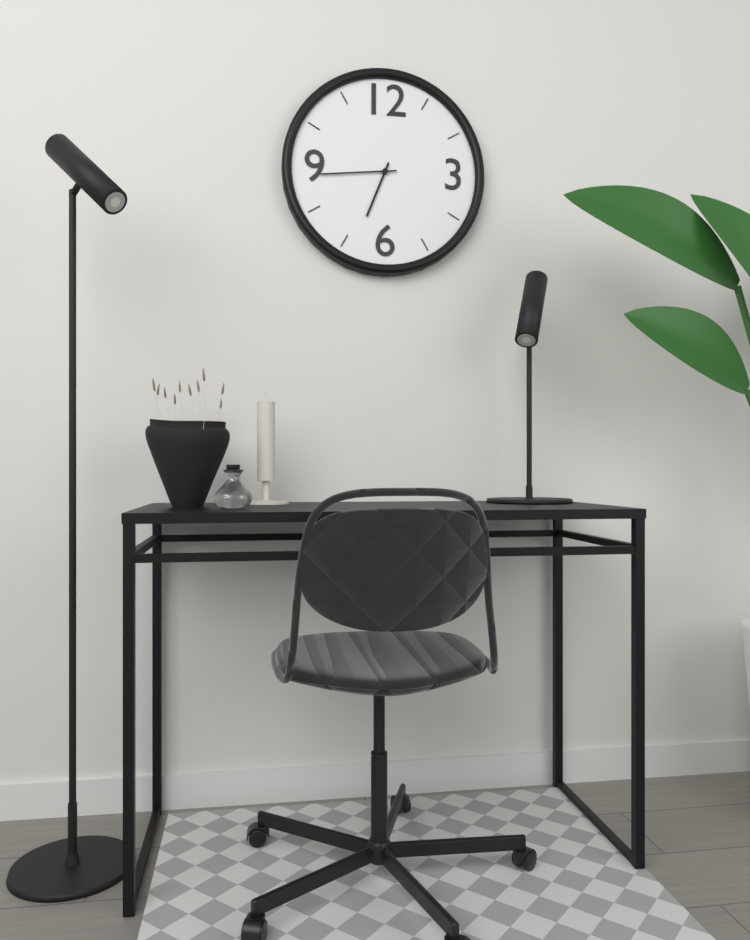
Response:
h=6 m=44
